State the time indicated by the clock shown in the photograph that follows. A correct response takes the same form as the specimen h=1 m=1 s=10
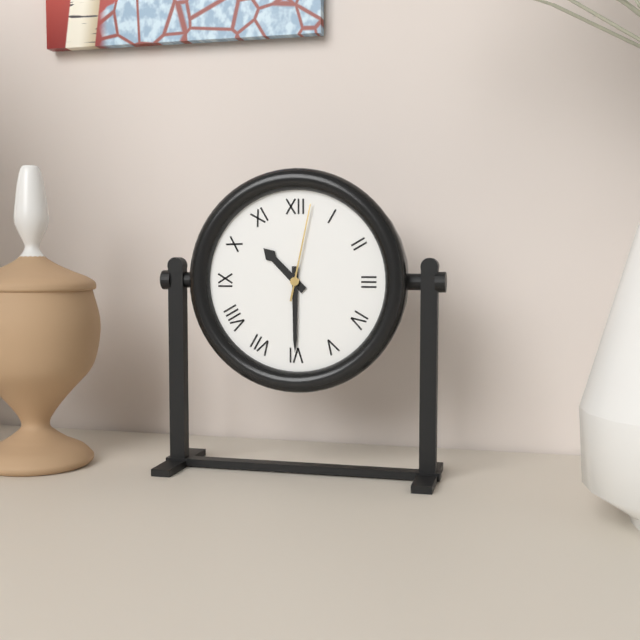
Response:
h=10 m=30 s=2
